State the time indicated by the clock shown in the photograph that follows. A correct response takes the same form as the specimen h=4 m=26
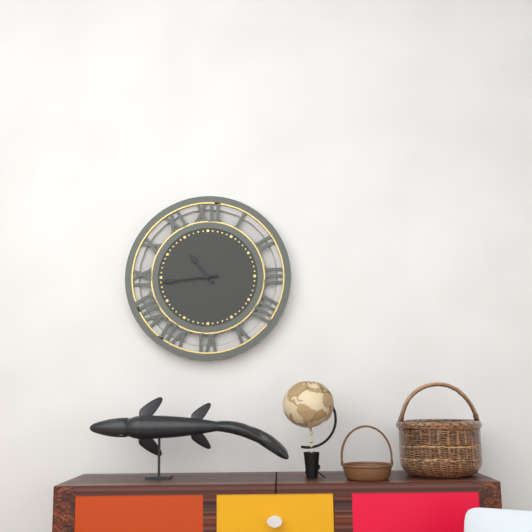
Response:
h=10 m=44
